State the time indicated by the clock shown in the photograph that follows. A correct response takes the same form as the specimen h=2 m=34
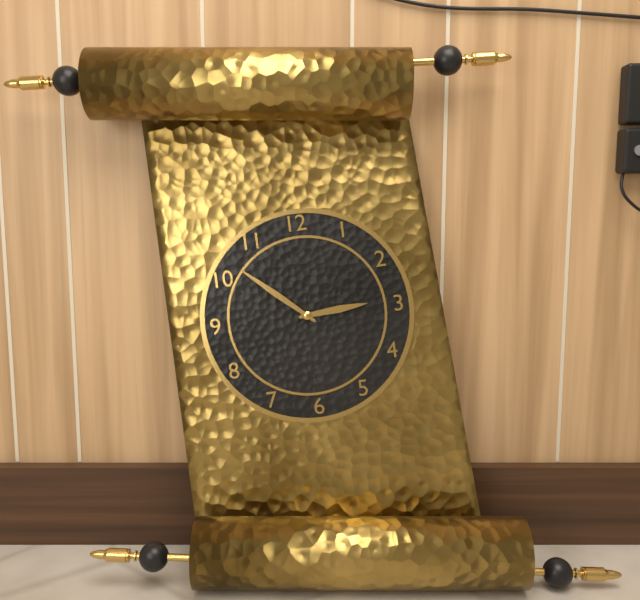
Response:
h=2 m=52
